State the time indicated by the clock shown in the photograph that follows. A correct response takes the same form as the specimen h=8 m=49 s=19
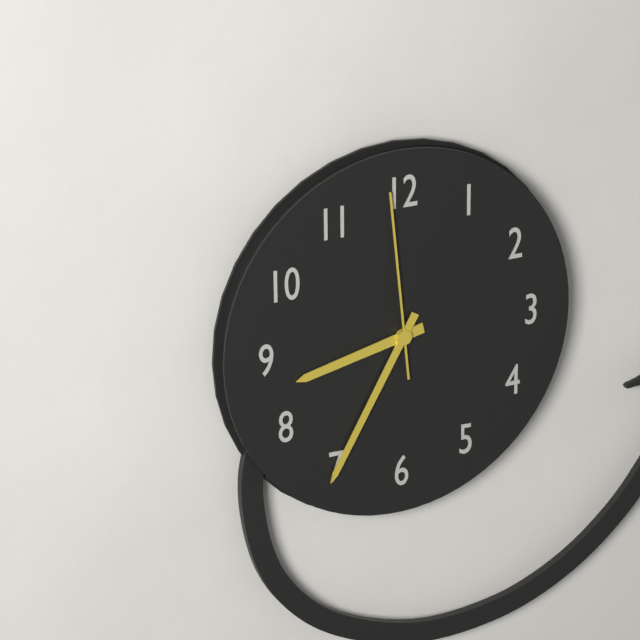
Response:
h=8 m=35 s=59
